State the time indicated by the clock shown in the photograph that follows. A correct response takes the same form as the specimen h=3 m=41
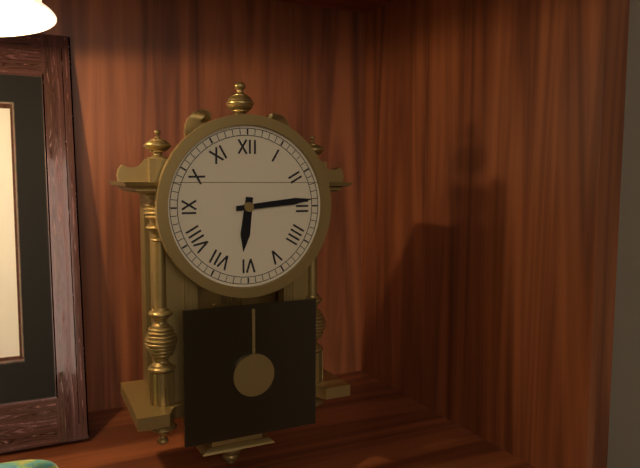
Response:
h=6 m=14
